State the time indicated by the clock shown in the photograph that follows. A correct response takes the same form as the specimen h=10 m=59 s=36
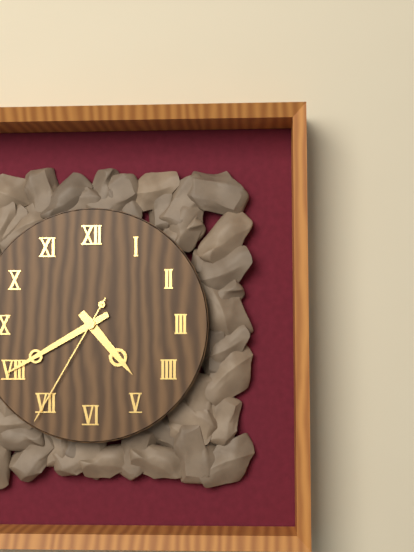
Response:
h=4 m=40 s=35
